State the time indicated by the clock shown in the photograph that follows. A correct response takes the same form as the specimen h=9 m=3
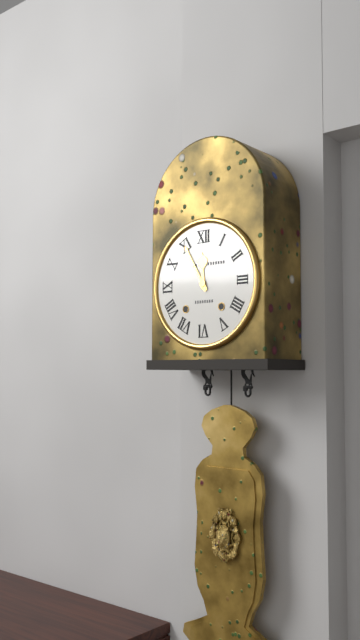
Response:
h=11 m=55
